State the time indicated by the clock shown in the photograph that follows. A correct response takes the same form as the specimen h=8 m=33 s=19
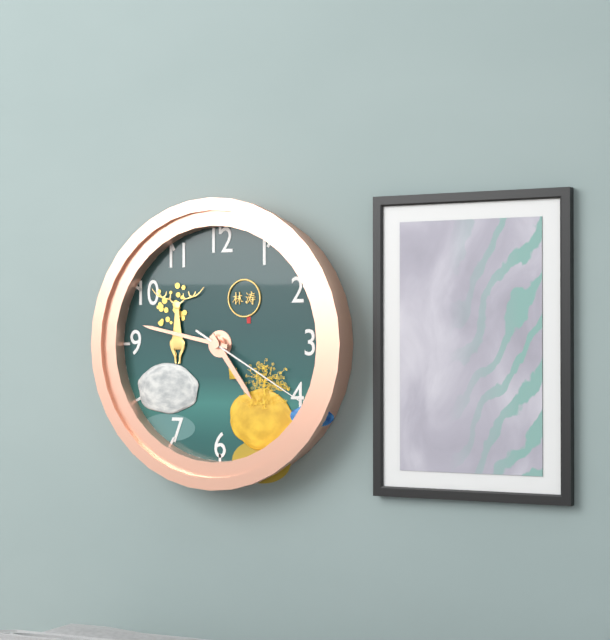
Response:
h=4 m=47 s=20
